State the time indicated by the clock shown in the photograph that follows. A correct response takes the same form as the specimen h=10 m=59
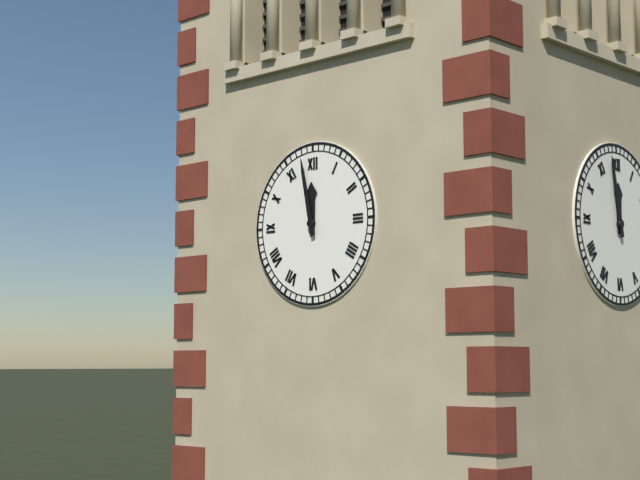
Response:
h=11 m=58
